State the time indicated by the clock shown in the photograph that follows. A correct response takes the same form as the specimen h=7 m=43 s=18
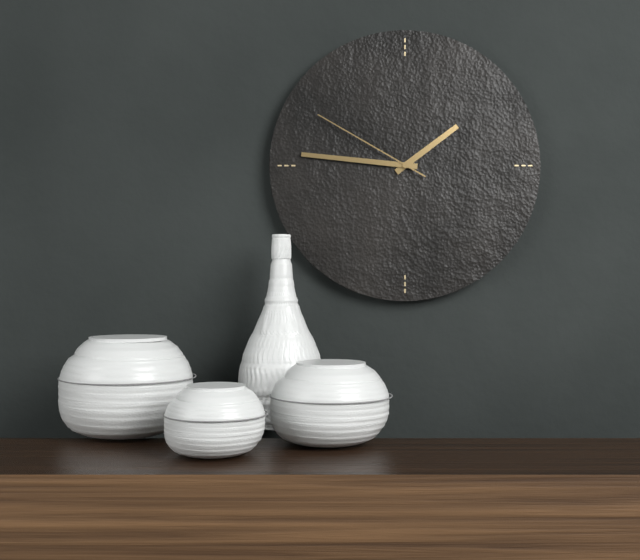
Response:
h=1 m=46 s=50
